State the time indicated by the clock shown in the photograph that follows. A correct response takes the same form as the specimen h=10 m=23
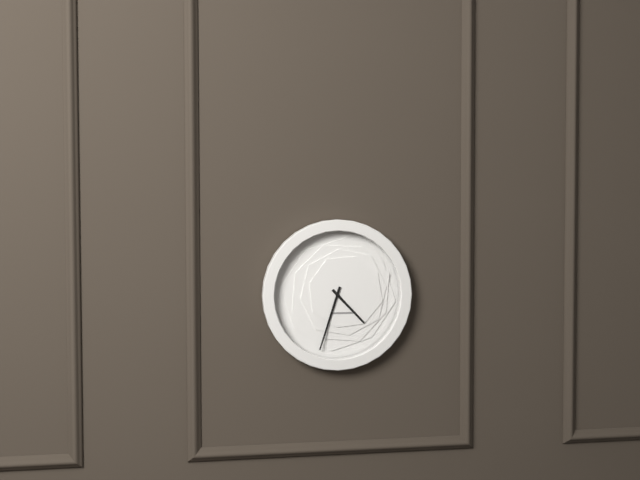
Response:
h=4 m=33
